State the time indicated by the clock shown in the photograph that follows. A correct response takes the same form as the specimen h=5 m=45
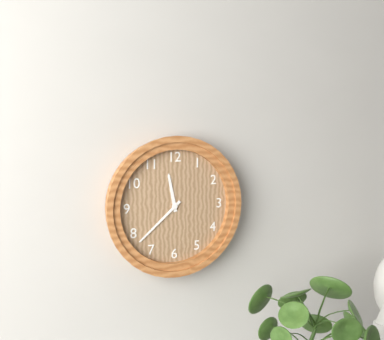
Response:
h=11 m=38
